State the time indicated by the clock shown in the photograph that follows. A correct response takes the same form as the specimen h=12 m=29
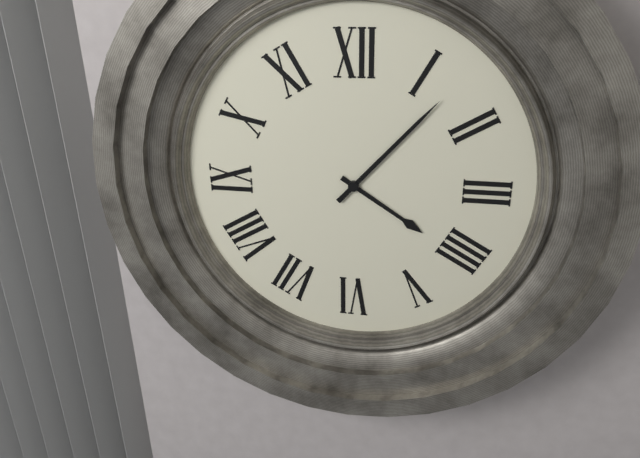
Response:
h=4 m=7
